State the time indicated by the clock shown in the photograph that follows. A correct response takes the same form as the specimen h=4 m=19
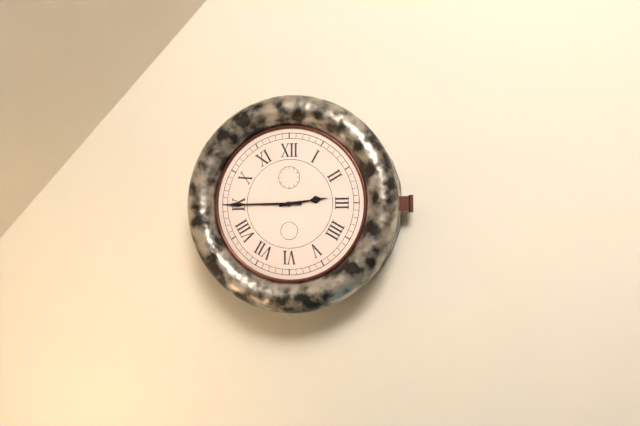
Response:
h=2 m=45
